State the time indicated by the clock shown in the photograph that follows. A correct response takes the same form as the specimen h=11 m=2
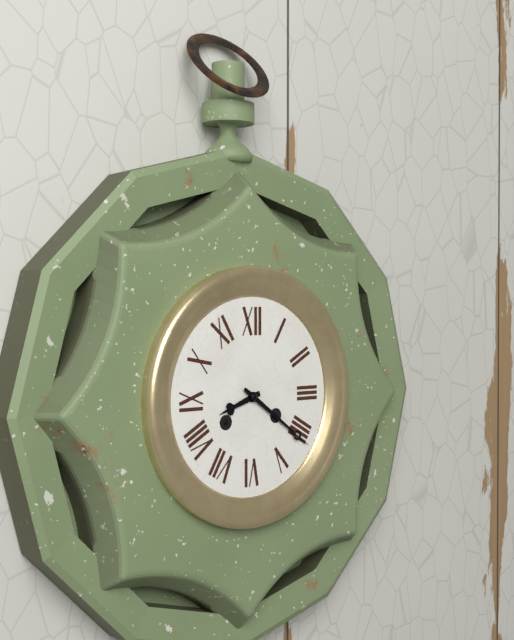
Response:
h=8 m=21
